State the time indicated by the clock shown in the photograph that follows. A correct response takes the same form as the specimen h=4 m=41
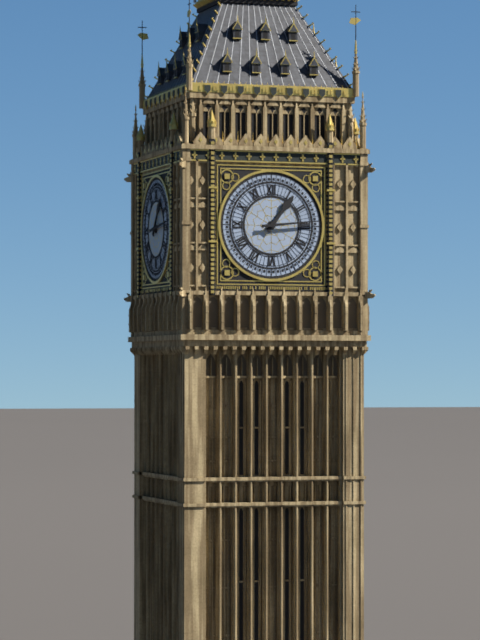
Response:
h=1 m=14
